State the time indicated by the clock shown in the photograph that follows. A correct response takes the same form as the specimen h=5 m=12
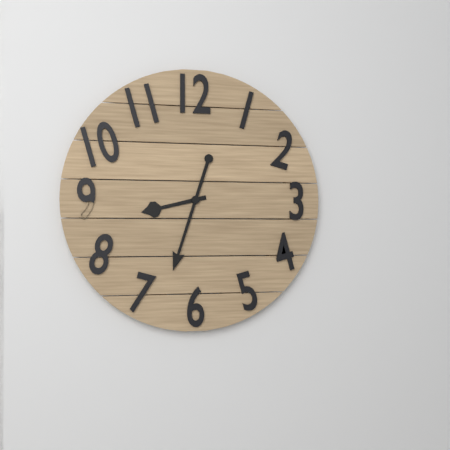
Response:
h=8 m=33
